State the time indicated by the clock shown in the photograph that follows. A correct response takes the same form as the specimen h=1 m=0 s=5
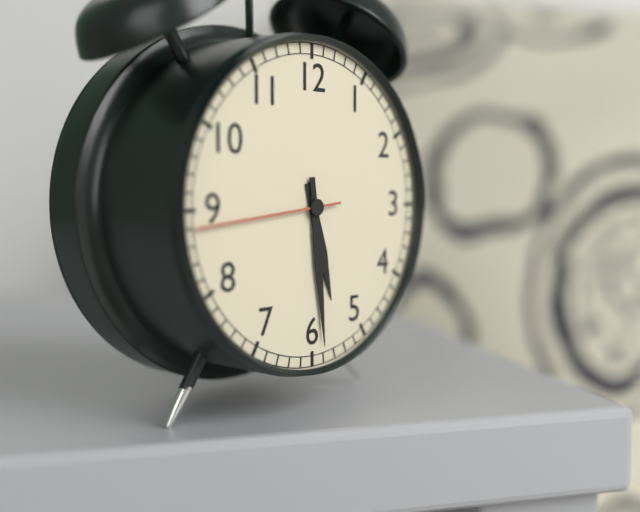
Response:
h=5 m=29 s=44
